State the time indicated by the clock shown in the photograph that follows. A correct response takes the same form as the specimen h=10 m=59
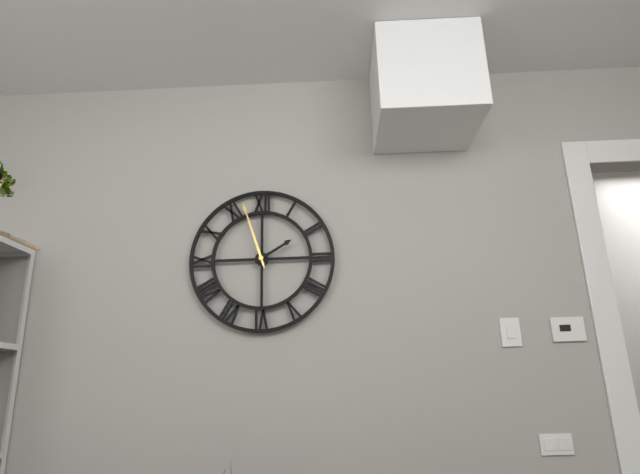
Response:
h=1 m=57
